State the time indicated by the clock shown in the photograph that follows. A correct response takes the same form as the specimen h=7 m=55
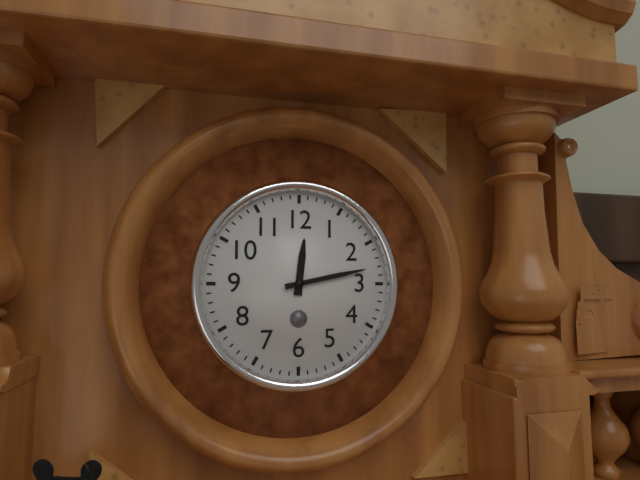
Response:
h=12 m=13
